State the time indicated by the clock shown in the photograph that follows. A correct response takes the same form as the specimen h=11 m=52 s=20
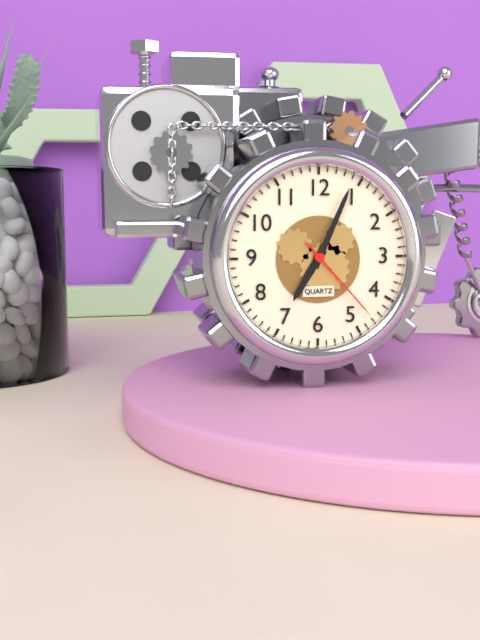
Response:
h=7 m=4 s=23
